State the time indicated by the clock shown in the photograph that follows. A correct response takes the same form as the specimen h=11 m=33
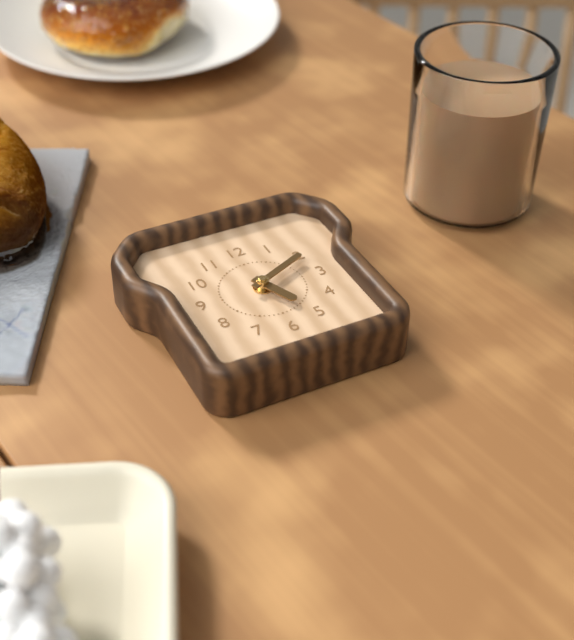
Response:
h=5 m=11
